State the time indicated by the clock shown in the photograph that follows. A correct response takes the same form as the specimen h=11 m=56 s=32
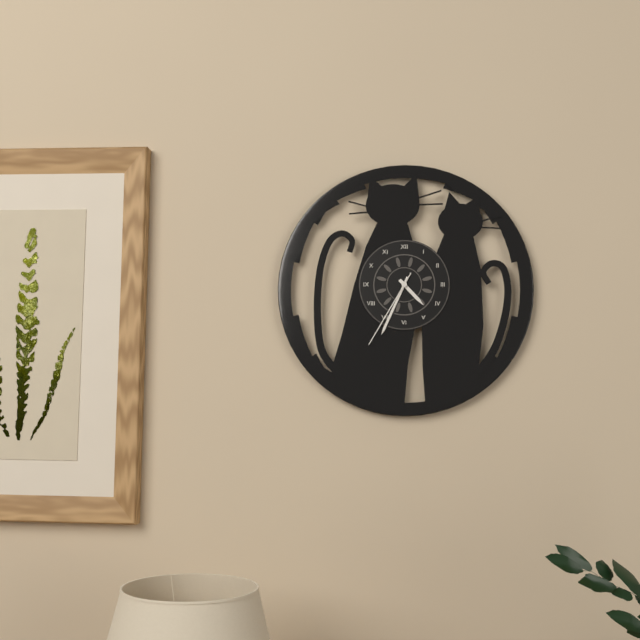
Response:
h=4 m=34 s=35
